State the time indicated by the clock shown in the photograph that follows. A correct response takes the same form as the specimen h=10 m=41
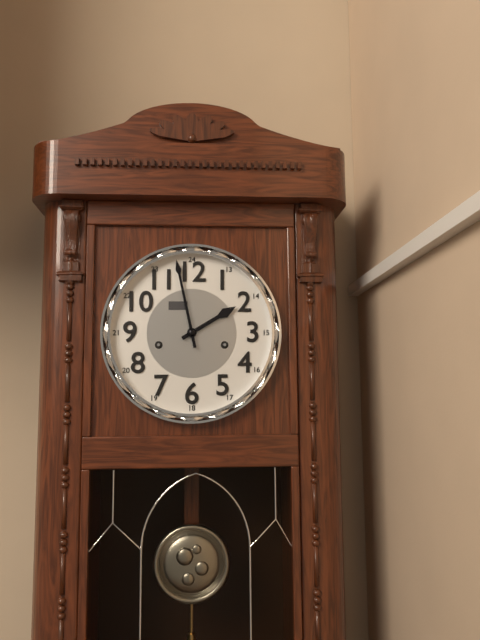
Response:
h=1 m=58
